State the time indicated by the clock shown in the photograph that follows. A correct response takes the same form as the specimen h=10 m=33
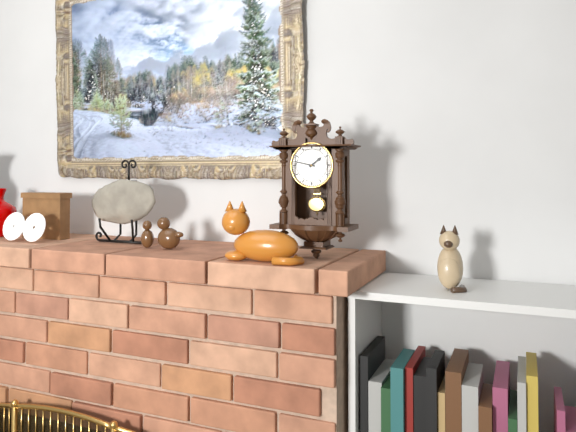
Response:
h=1 m=47
